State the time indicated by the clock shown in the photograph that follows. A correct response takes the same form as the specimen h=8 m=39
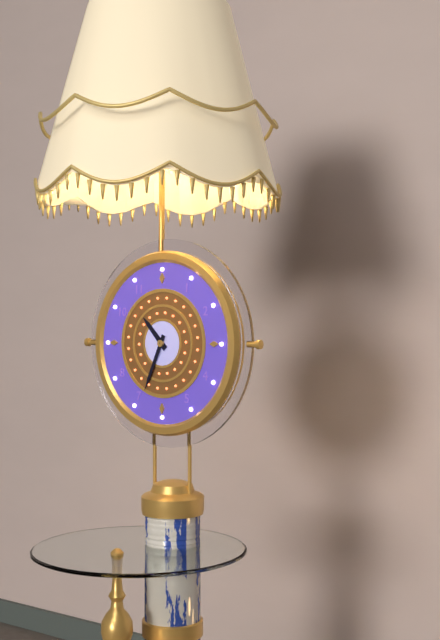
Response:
h=10 m=34
